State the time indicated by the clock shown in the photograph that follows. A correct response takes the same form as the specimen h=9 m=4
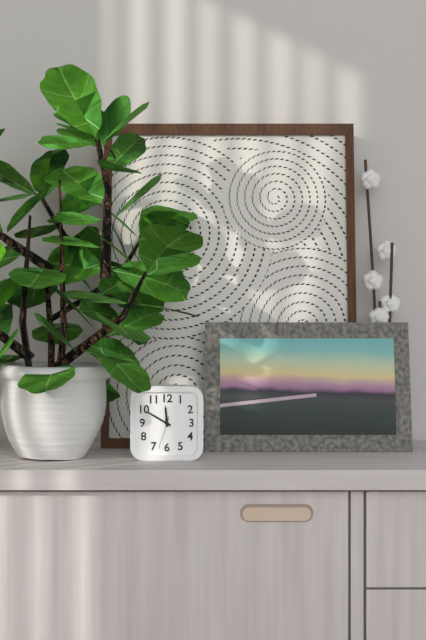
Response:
h=11 m=50
